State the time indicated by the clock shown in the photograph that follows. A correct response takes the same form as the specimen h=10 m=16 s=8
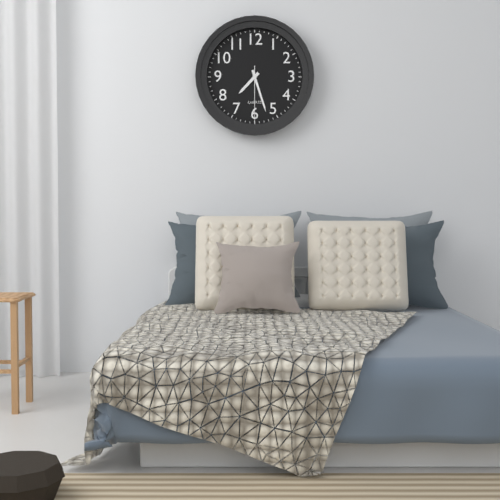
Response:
h=7 m=27 s=30
